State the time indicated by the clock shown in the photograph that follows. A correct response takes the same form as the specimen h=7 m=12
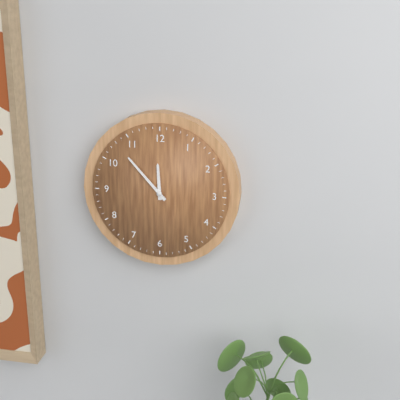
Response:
h=11 m=53
